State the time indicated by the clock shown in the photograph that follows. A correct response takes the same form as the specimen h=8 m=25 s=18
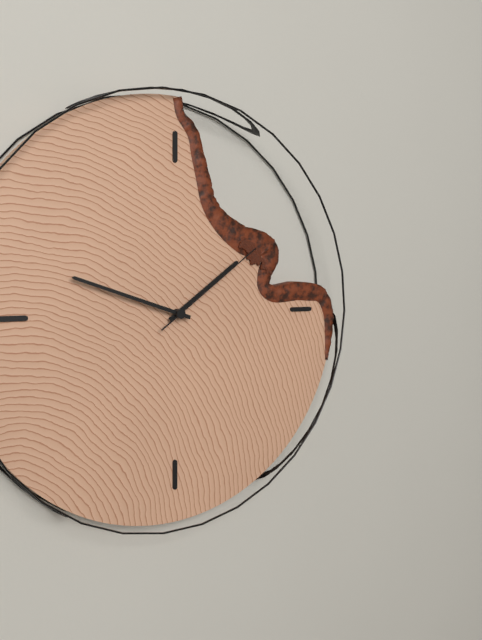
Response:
h=1 m=48 s=9
